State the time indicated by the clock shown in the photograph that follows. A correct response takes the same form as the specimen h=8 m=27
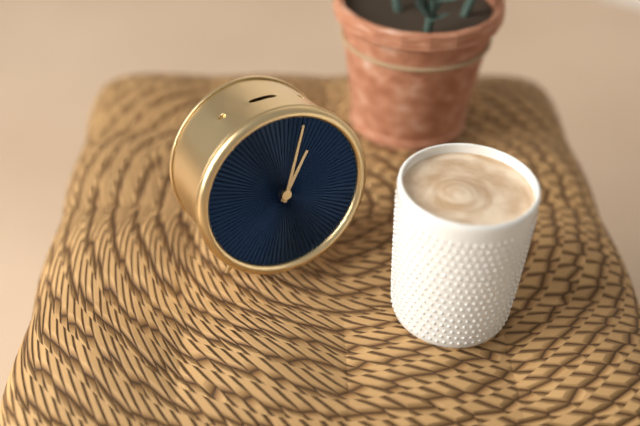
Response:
h=1 m=3
